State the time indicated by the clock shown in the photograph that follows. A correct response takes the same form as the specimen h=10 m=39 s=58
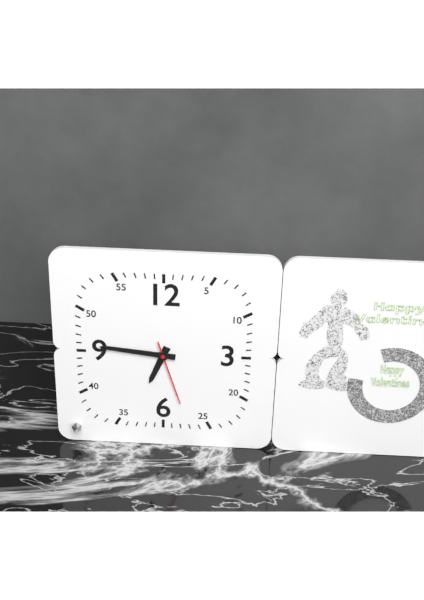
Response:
h=6 m=46 s=27
